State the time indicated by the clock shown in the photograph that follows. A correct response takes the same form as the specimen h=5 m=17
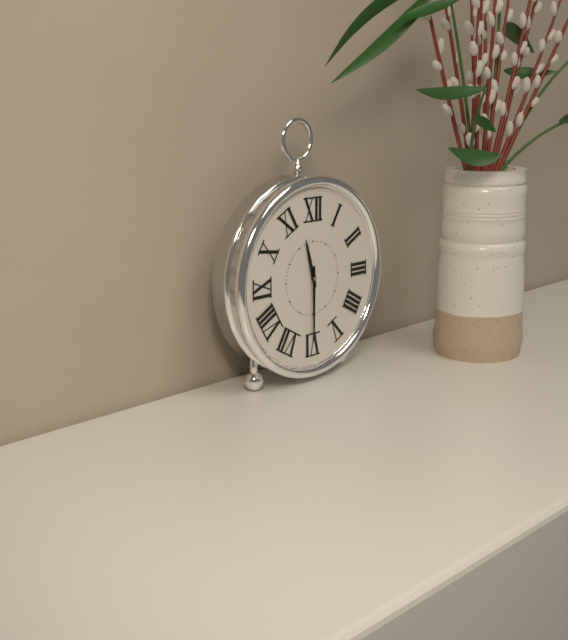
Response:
h=11 m=30
